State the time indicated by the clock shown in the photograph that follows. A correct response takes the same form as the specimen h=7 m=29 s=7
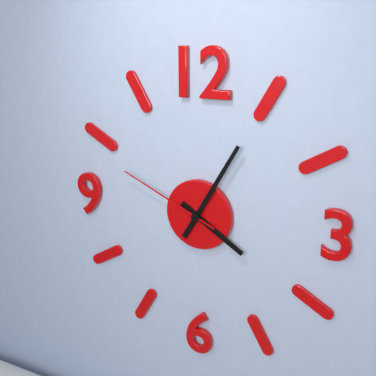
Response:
h=4 m=5 s=49
